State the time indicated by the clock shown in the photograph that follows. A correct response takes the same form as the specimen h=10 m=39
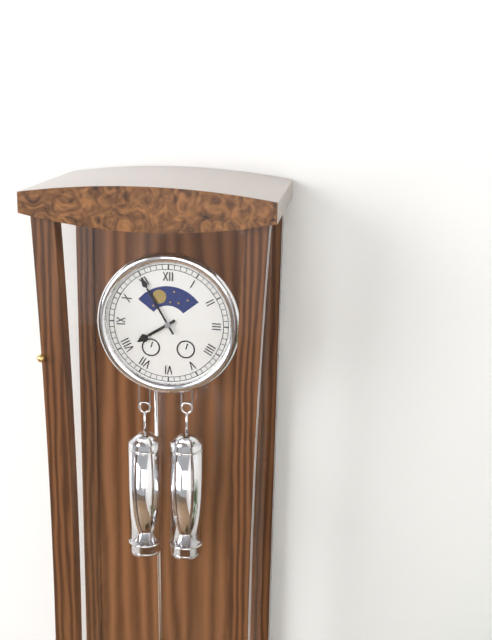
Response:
h=7 m=55
